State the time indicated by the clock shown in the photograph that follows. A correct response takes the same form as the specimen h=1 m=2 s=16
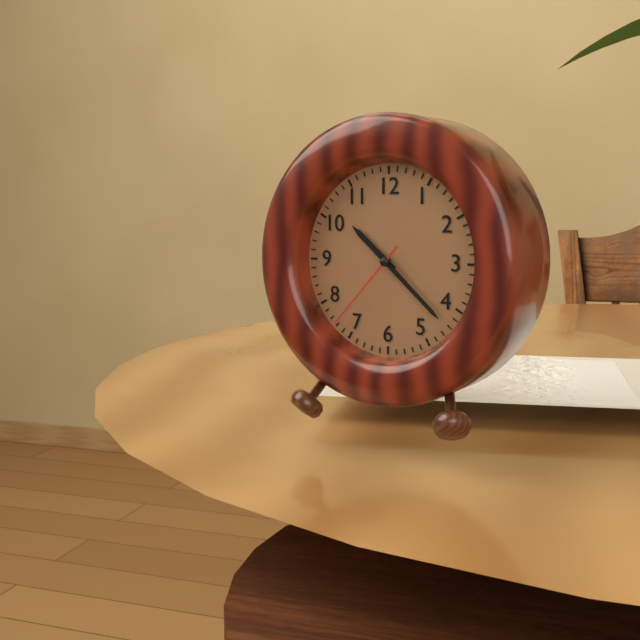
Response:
h=10 m=22 s=37
